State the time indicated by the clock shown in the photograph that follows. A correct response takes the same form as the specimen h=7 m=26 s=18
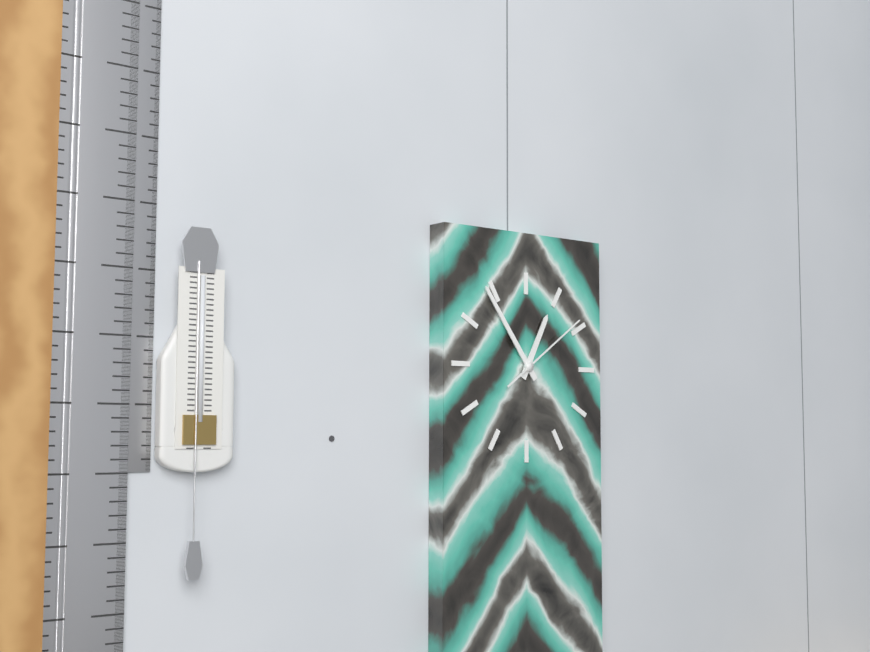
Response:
h=12 m=54 s=9
